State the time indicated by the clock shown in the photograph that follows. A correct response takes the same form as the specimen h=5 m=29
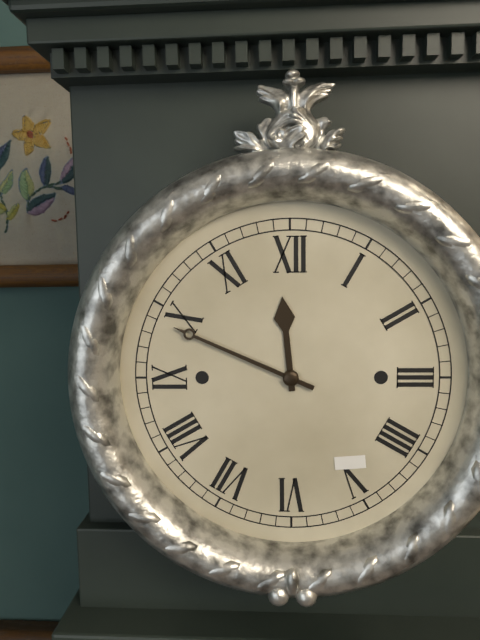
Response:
h=11 m=49
